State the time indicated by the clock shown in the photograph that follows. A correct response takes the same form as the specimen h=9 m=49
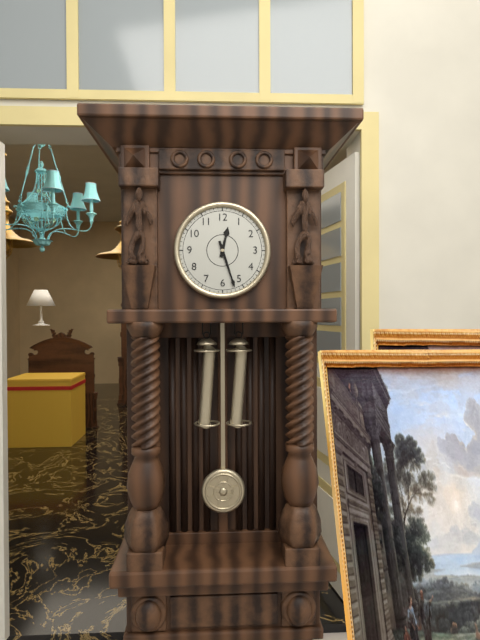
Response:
h=12 m=27
